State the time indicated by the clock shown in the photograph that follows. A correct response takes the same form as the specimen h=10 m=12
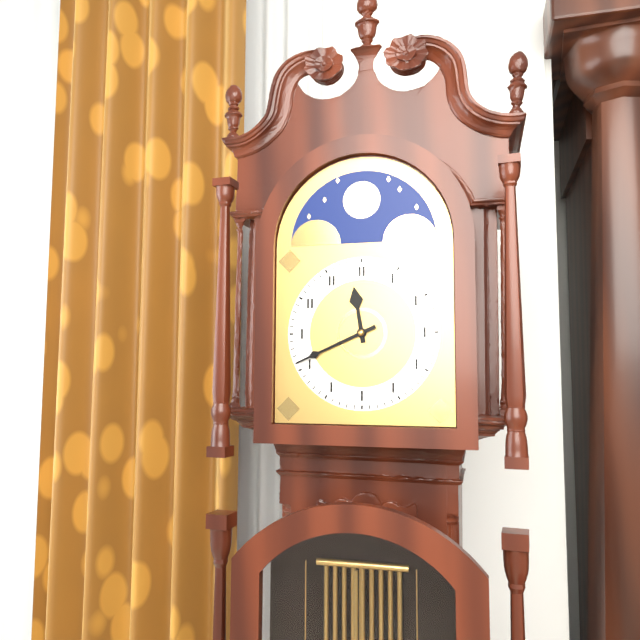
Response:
h=11 m=41
